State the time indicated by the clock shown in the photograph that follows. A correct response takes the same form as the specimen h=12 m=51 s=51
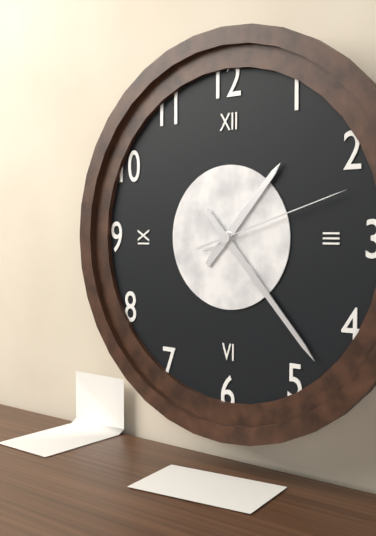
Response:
h=1 m=23 s=12
